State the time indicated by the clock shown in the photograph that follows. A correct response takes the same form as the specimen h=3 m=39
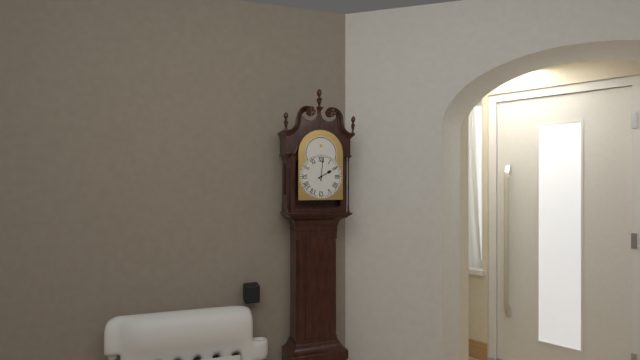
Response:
h=2 m=1
